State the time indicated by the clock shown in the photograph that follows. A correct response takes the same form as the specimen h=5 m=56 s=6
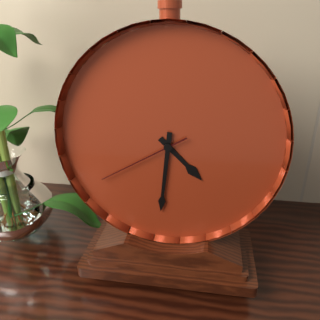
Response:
h=4 m=31 s=40
